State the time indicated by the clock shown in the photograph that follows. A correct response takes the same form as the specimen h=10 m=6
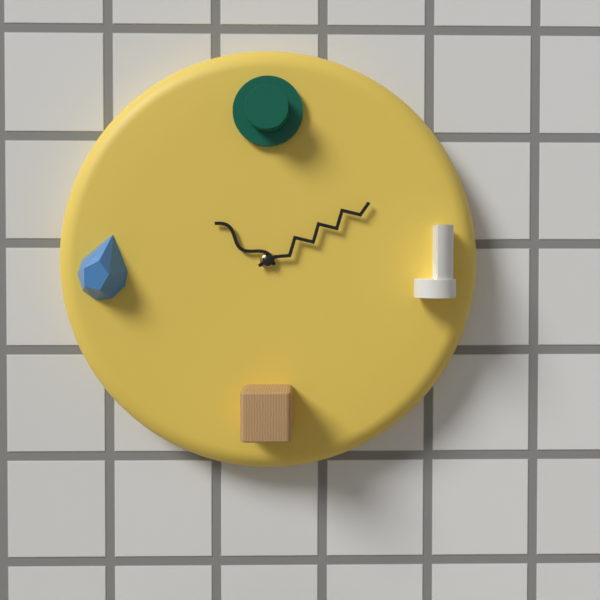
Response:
h=10 m=10
